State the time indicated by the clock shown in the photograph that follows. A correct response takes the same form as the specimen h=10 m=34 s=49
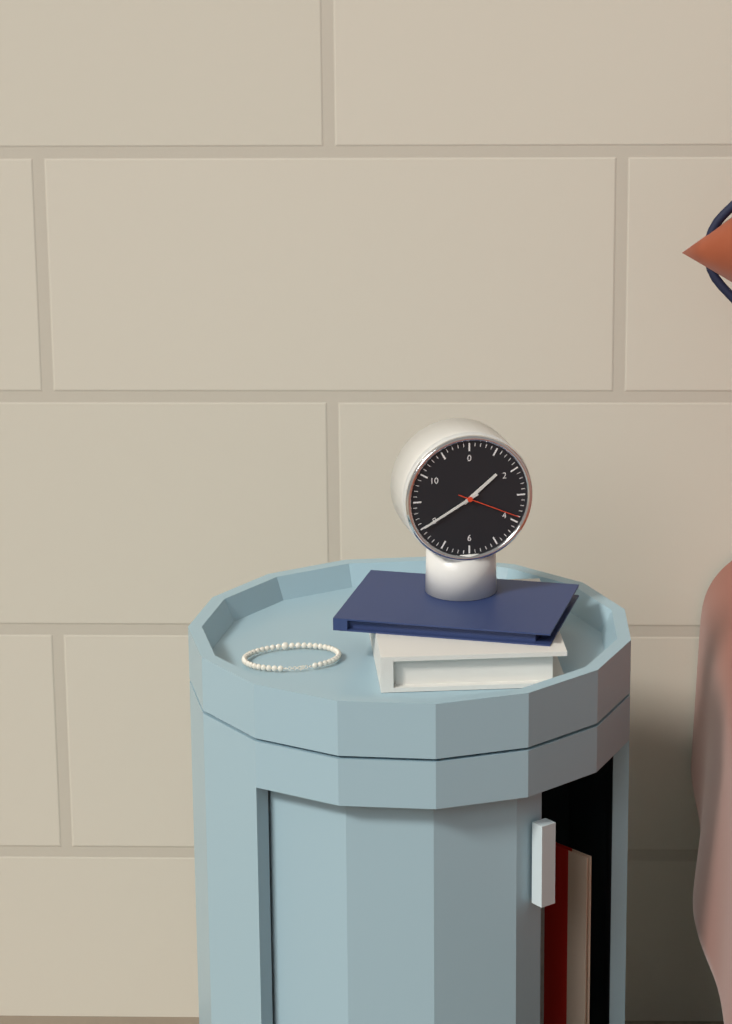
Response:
h=1 m=40 s=19
